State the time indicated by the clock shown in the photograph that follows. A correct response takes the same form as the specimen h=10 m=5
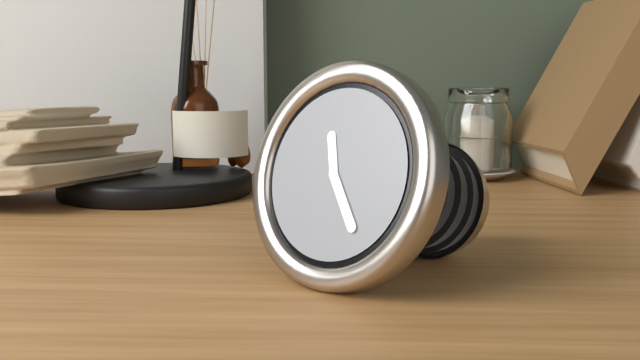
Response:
h=11 m=24
